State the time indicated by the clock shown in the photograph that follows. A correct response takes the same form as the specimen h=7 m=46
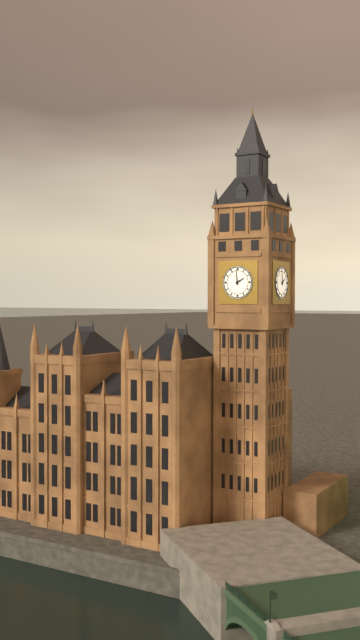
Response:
h=1 m=59
